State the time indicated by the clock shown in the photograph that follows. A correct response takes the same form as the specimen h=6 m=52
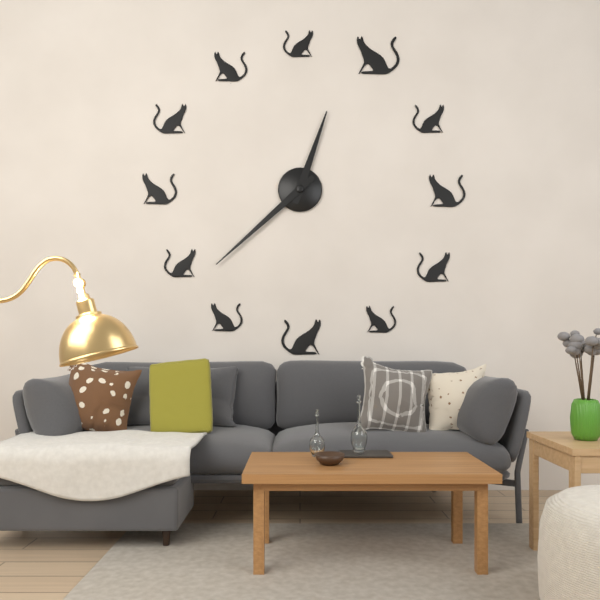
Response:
h=12 m=38
